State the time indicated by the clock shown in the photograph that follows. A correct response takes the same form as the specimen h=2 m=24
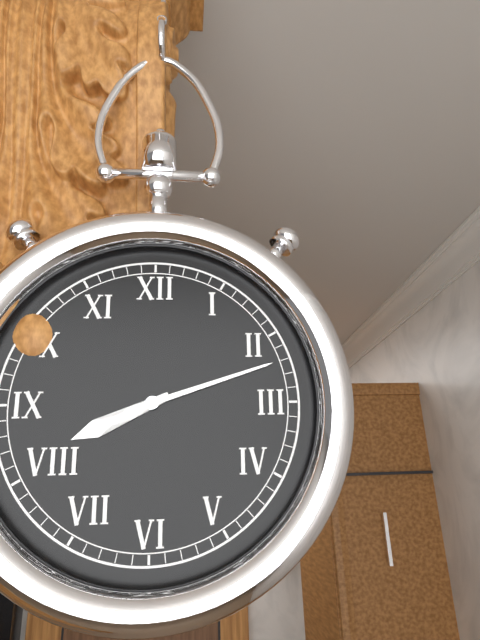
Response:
h=8 m=12
